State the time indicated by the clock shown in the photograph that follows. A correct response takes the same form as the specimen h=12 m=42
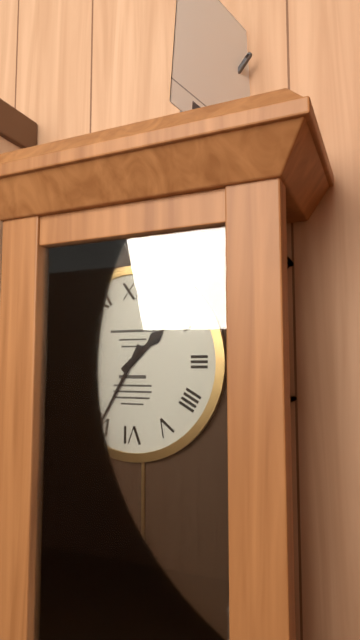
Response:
h=1 m=35
